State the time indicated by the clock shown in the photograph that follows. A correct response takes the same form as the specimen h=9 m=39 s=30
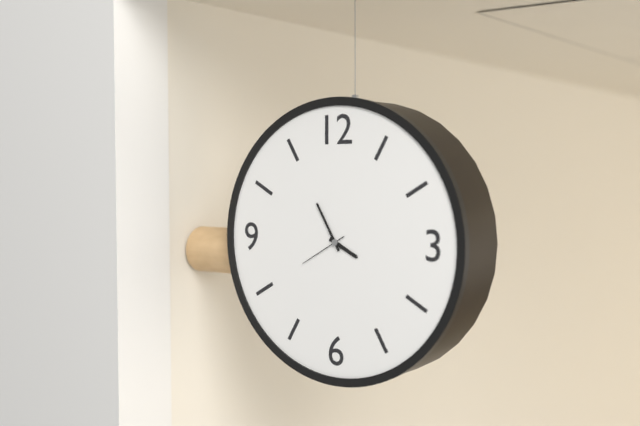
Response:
h=3 m=55 s=40
